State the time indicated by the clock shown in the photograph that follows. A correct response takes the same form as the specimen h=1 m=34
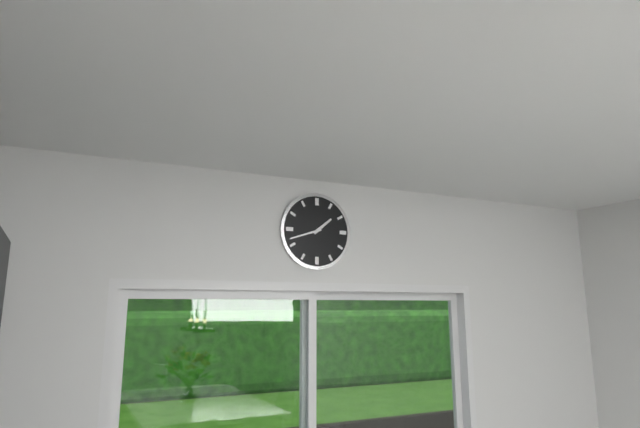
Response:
h=1 m=42
